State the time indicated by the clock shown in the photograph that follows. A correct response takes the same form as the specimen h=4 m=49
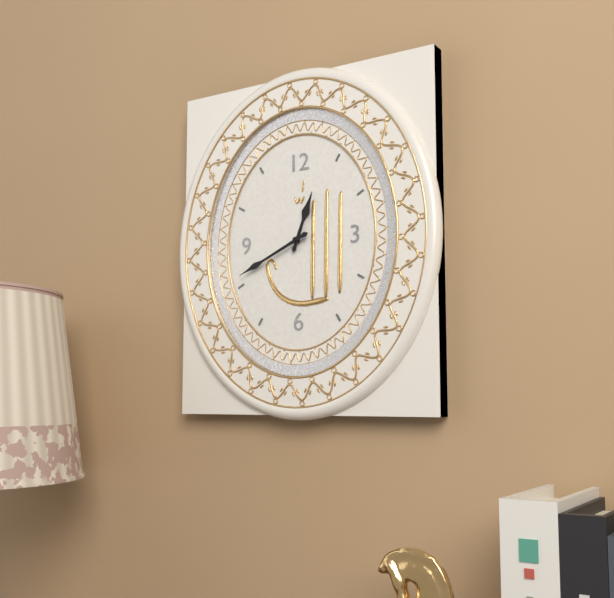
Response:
h=12 m=41
